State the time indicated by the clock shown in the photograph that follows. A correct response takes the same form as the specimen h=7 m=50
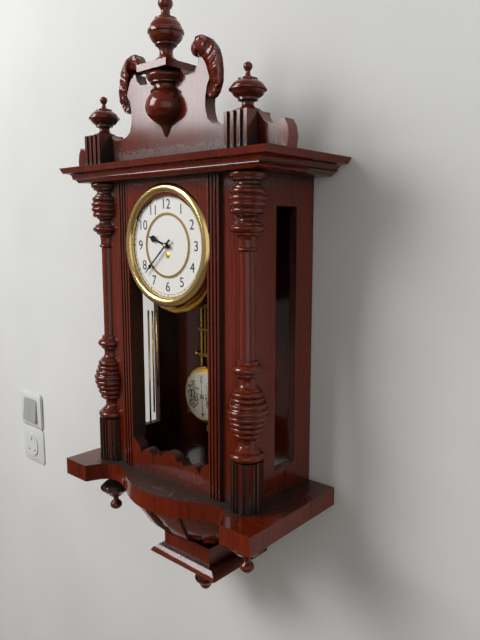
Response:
h=9 m=38
